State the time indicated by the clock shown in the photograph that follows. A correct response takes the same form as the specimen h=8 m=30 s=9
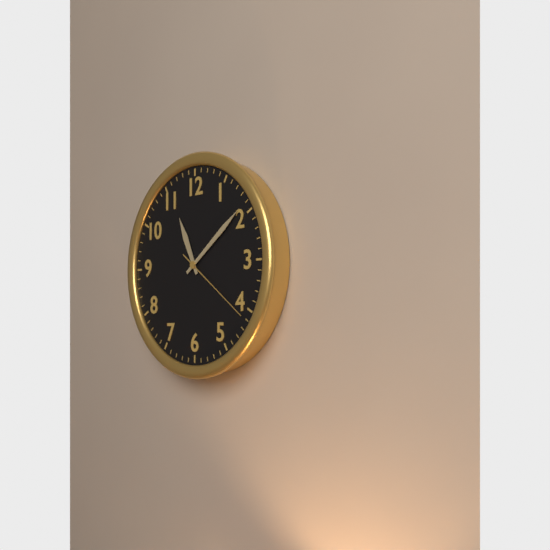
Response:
h=11 m=9 s=21
